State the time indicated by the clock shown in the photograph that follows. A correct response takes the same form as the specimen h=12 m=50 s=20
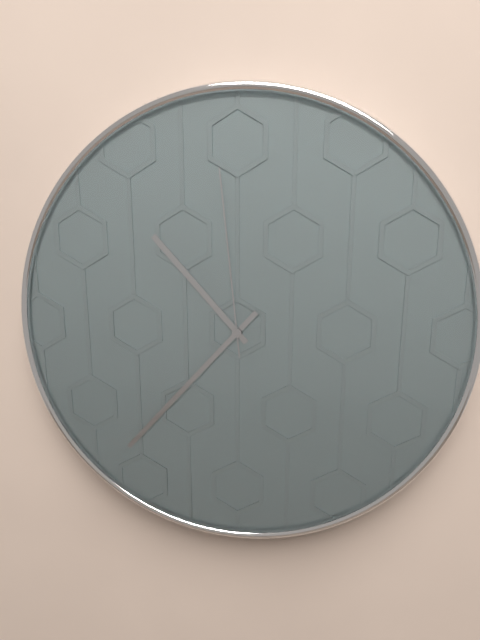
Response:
h=10 m=37 s=59
